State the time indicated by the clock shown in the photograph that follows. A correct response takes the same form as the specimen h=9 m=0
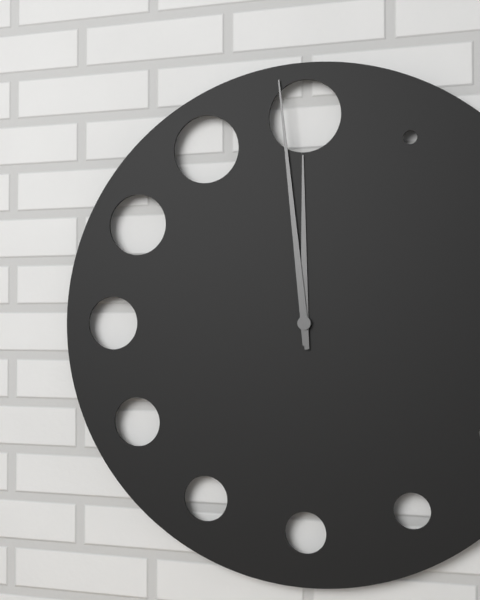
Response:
h=11 m=59
